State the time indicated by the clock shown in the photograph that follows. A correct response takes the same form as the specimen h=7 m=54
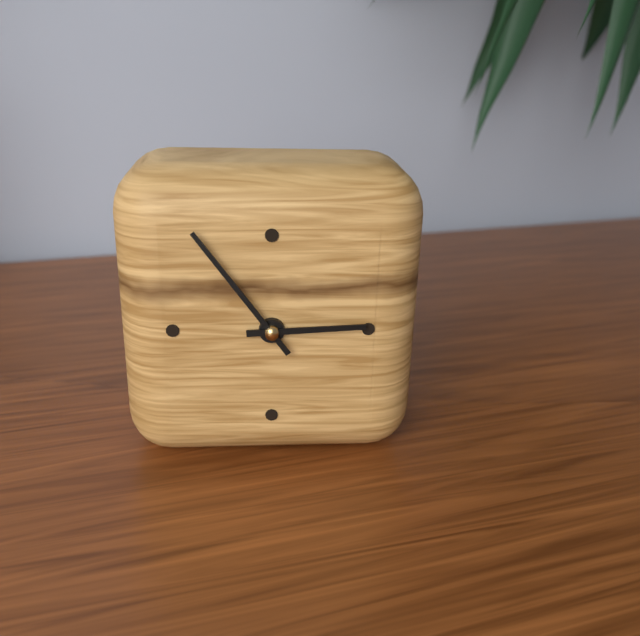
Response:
h=2 m=54
